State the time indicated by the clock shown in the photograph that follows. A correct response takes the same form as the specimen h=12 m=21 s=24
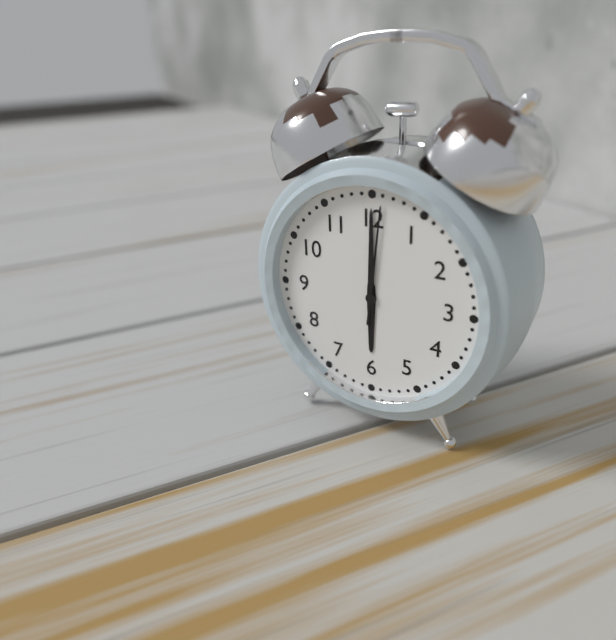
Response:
h=6 m=0 s=1
